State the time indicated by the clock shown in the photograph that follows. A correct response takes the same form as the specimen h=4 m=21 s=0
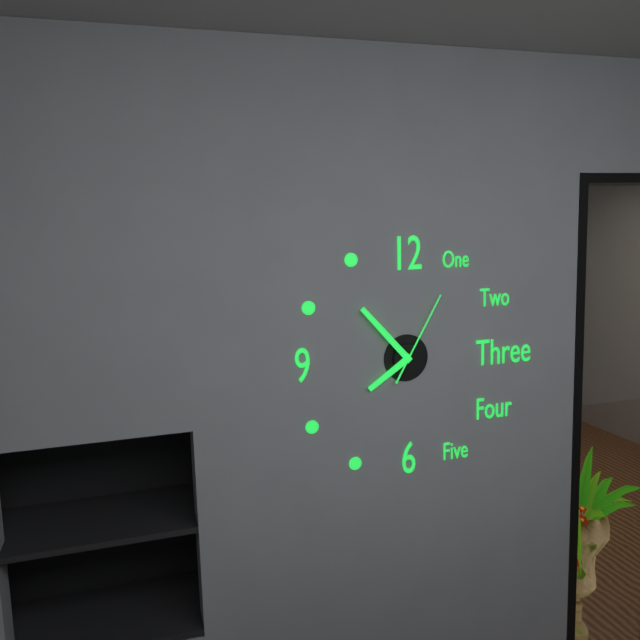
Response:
h=7 m=53 s=5
